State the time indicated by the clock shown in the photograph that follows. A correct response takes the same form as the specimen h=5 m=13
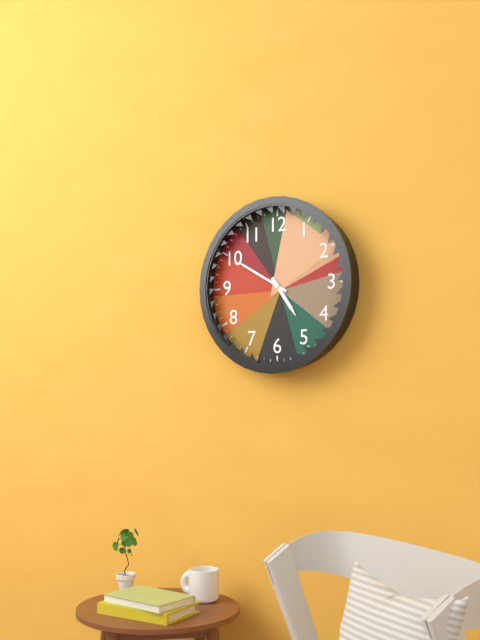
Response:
h=4 m=50
